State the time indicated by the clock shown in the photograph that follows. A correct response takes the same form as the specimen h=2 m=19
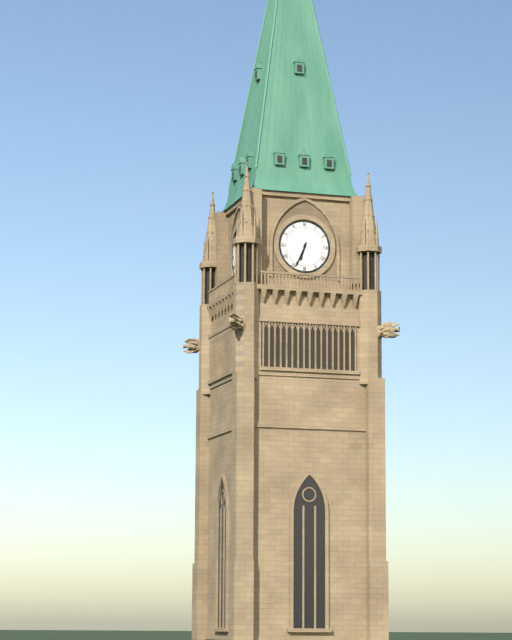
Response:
h=6 m=34
